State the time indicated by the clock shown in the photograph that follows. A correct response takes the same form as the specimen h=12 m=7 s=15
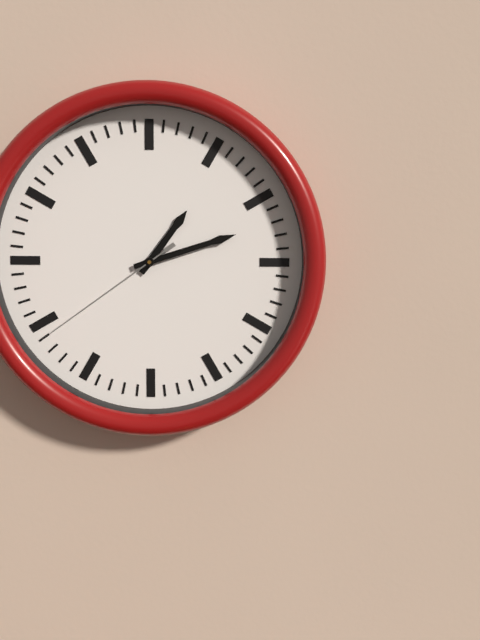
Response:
h=1 m=12 s=39
